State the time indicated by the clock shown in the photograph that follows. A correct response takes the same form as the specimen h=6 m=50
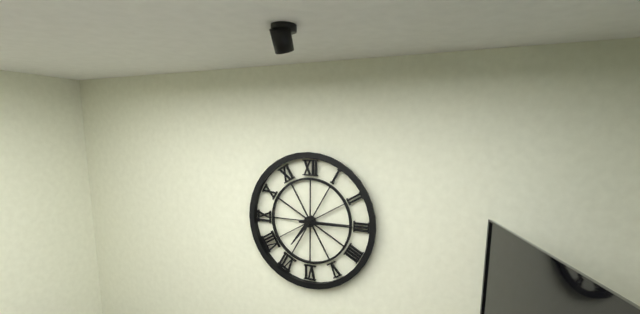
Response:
h=7 m=15
